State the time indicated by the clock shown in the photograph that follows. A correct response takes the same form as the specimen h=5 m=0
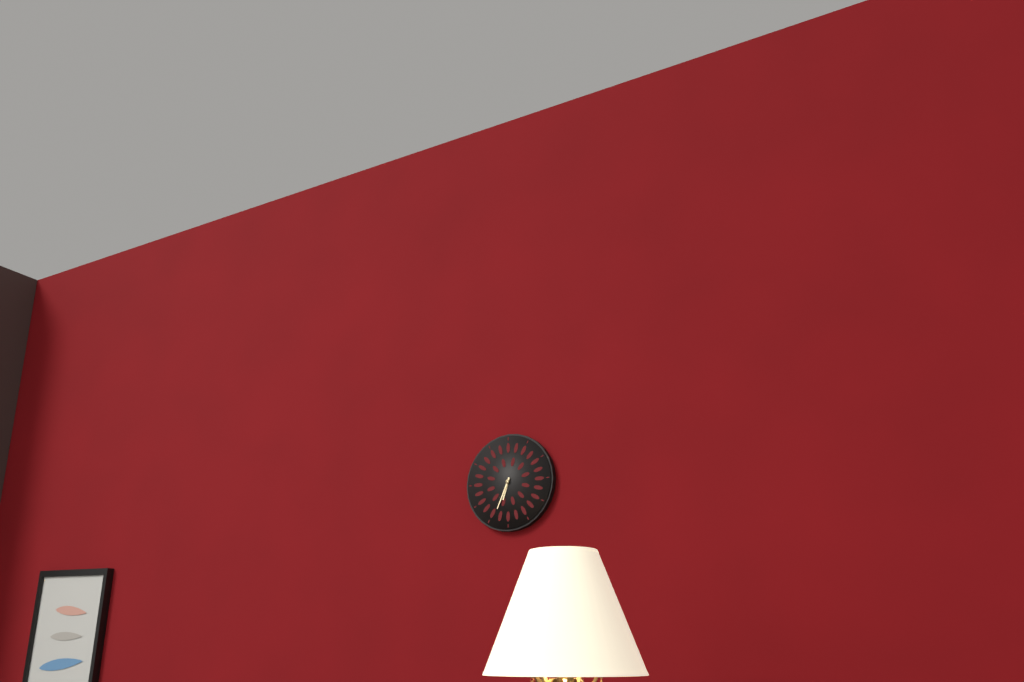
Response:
h=6 m=34
